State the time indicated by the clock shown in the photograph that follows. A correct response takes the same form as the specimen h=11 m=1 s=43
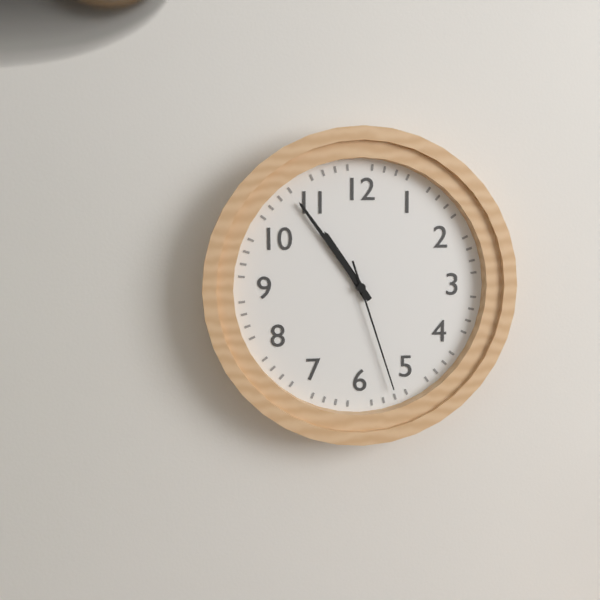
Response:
h=10 m=54 s=27
